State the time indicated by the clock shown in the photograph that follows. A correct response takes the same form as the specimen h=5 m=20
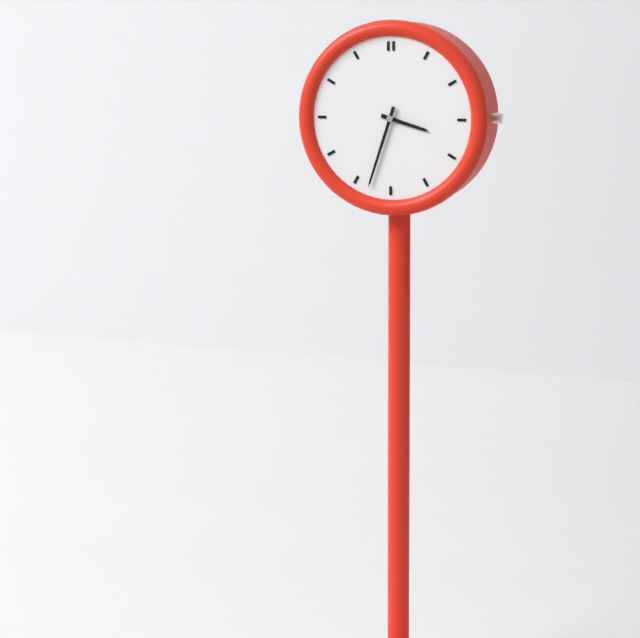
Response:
h=3 m=33
